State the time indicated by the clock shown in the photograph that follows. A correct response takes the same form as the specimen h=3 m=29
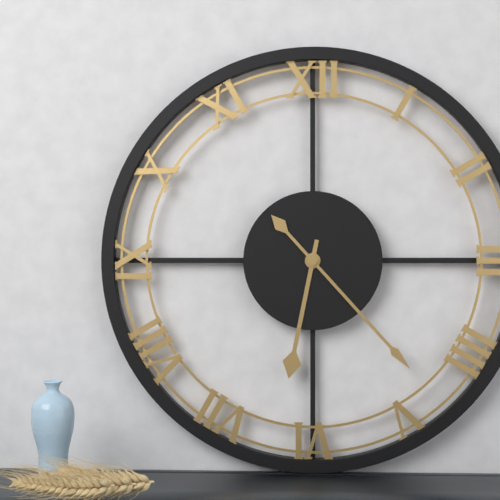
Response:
h=6 m=23
